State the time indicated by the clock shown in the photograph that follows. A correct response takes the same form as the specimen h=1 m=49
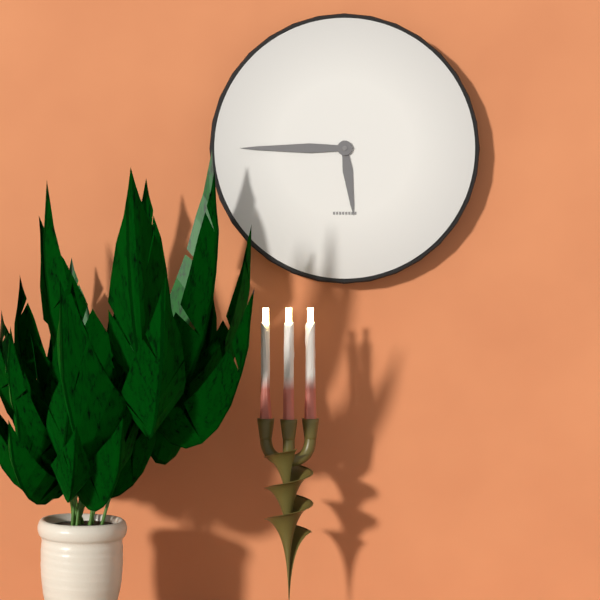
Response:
h=5 m=45
